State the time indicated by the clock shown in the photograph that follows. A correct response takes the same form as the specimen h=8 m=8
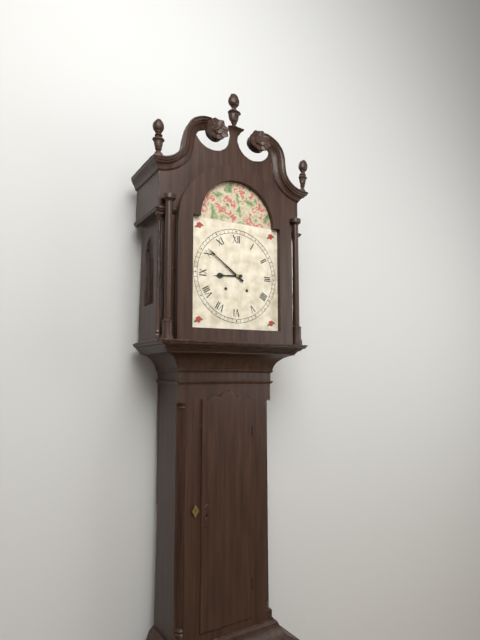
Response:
h=8 m=51
